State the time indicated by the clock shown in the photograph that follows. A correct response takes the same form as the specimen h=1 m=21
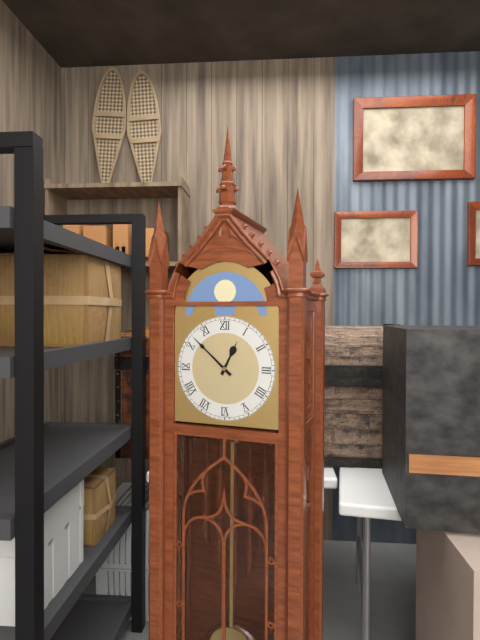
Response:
h=12 m=52
